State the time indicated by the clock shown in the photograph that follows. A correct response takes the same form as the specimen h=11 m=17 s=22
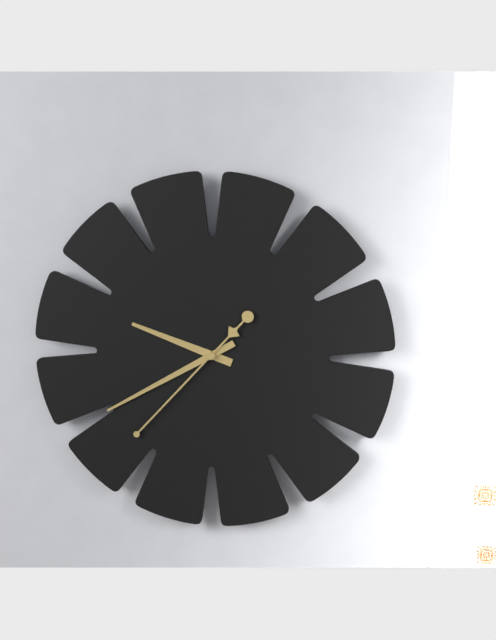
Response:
h=9 m=40 s=37
